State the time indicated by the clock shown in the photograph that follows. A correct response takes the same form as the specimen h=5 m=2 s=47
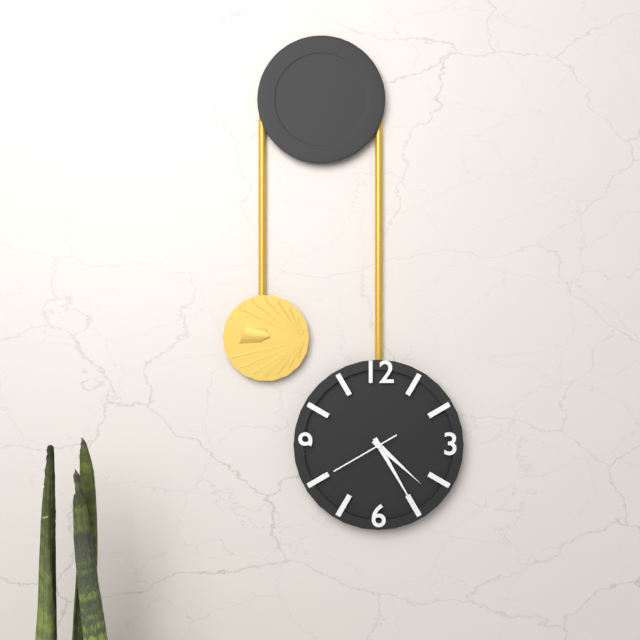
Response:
h=4 m=25 s=40
